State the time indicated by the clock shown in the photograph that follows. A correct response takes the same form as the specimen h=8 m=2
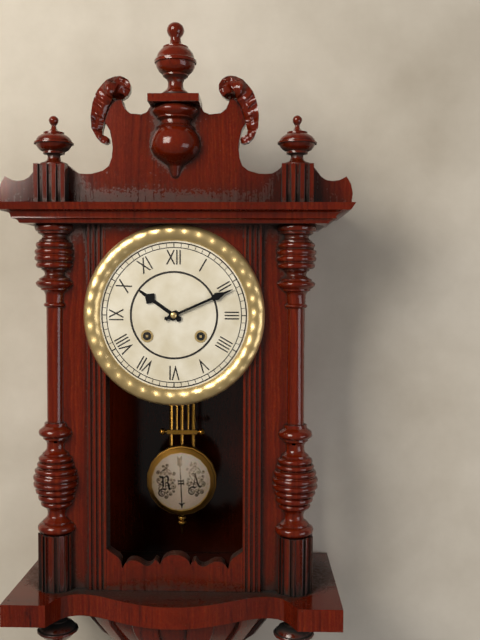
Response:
h=10 m=11
